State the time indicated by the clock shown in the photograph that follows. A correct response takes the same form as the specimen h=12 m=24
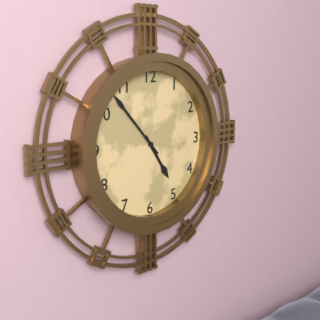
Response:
h=4 m=53
